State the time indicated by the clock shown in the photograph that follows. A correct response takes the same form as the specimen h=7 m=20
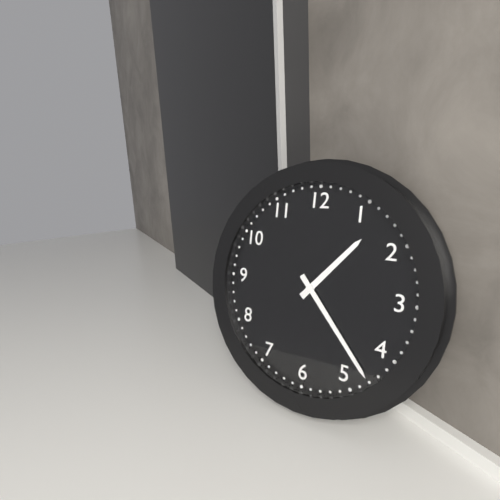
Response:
h=1 m=23
